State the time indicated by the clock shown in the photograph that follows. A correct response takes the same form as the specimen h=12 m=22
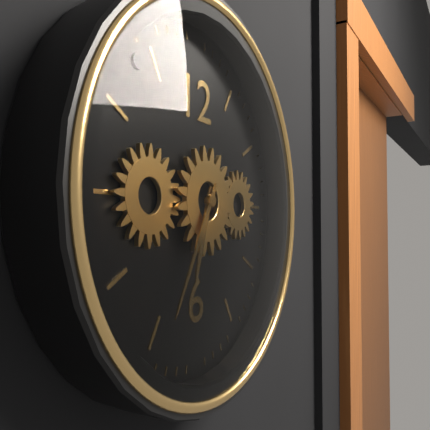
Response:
h=6 m=35
